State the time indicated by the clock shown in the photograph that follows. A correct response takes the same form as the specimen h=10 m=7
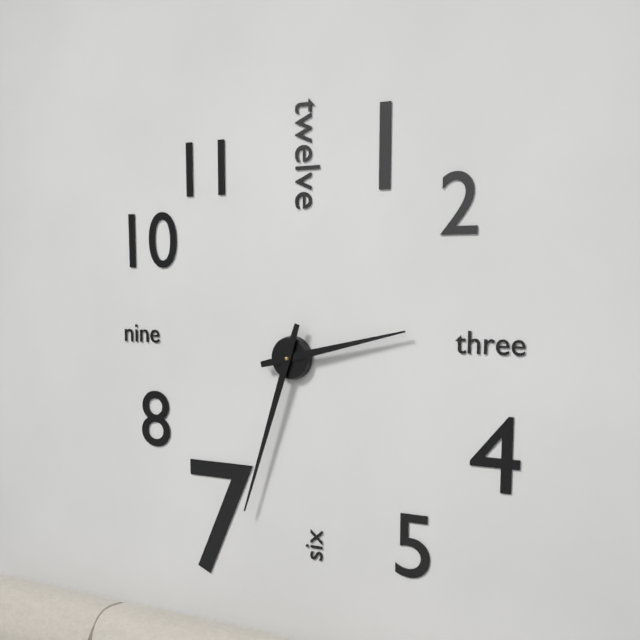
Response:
h=2 m=33
